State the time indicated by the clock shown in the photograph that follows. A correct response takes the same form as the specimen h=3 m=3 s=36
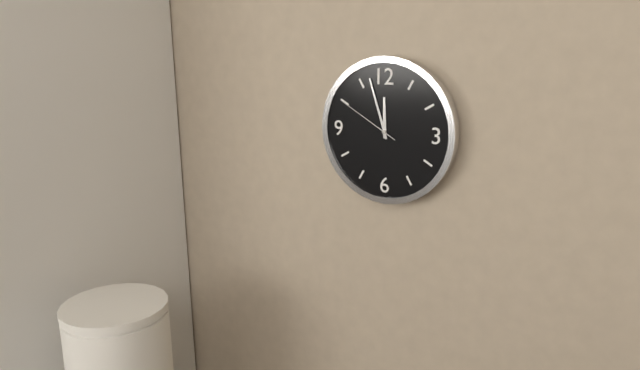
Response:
h=11 m=57 s=50
